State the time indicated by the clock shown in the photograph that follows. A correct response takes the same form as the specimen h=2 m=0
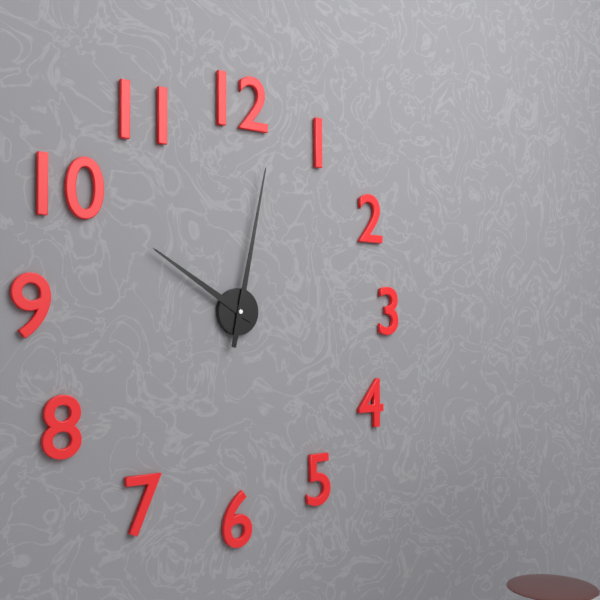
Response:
h=10 m=2
